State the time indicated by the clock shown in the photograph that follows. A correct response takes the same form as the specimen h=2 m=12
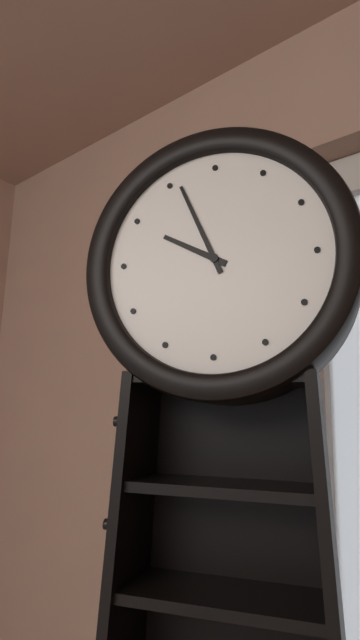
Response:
h=9 m=56
